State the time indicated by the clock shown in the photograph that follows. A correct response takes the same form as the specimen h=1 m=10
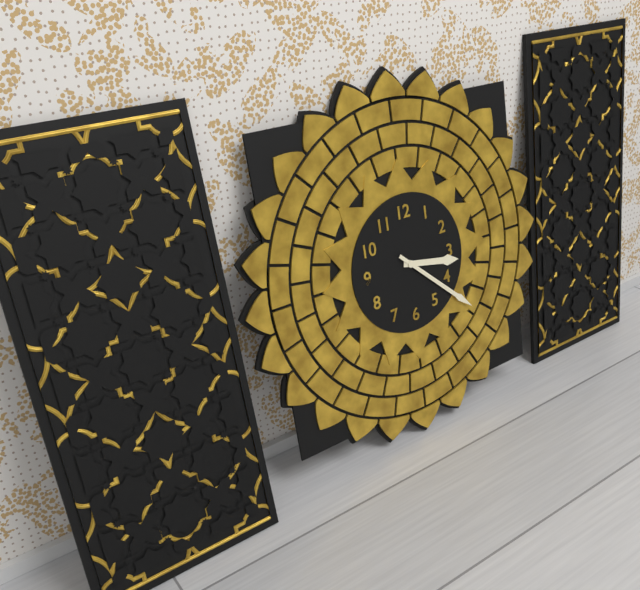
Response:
h=3 m=22
